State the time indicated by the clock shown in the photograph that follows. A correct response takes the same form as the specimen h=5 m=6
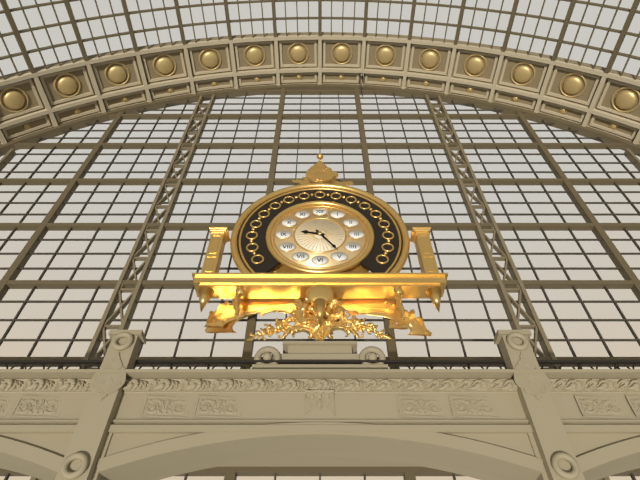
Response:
h=9 m=24
